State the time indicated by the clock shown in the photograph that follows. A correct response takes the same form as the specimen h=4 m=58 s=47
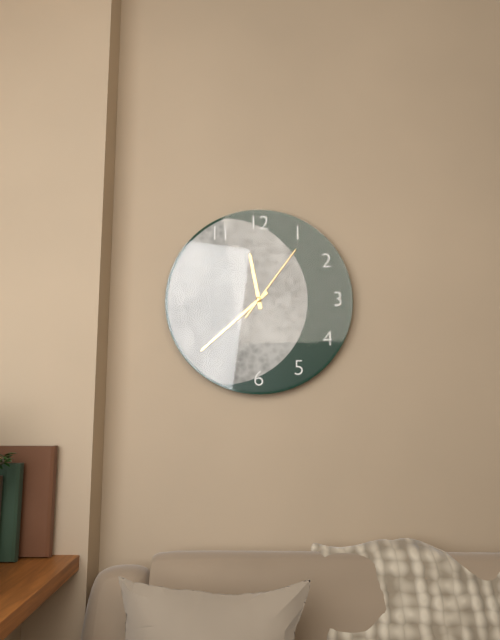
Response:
h=11 m=38 s=6
